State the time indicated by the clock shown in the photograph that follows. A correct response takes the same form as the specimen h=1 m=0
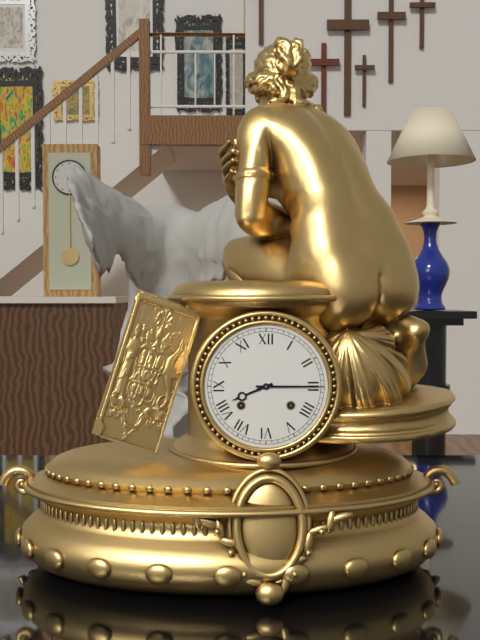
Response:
h=8 m=15
